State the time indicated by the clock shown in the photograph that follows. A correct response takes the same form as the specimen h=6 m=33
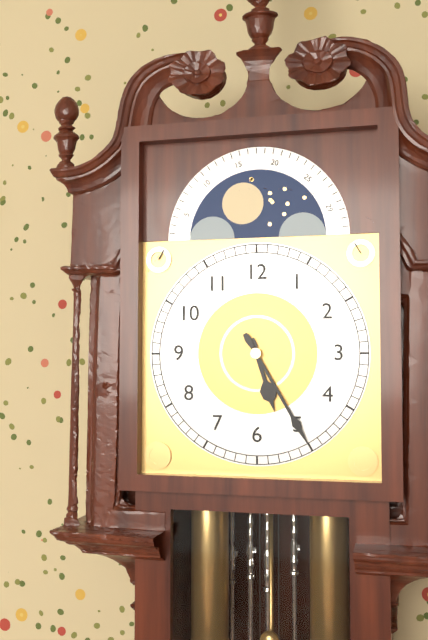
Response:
h=5 m=25
